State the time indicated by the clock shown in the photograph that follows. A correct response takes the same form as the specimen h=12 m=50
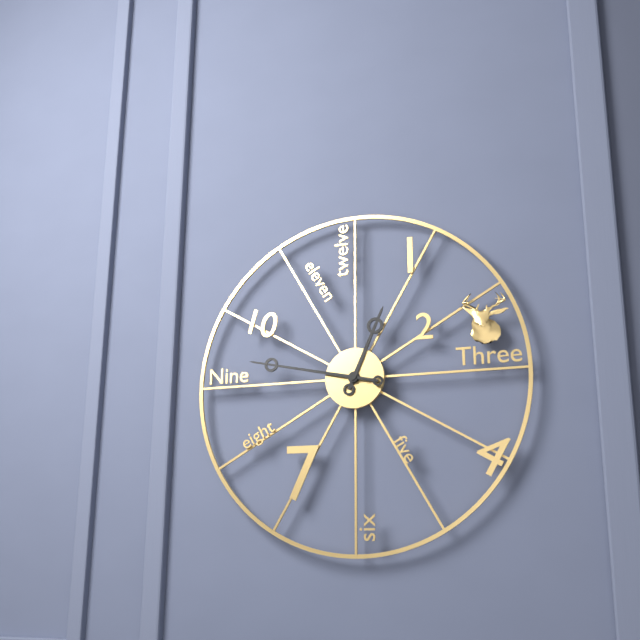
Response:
h=12 m=47
